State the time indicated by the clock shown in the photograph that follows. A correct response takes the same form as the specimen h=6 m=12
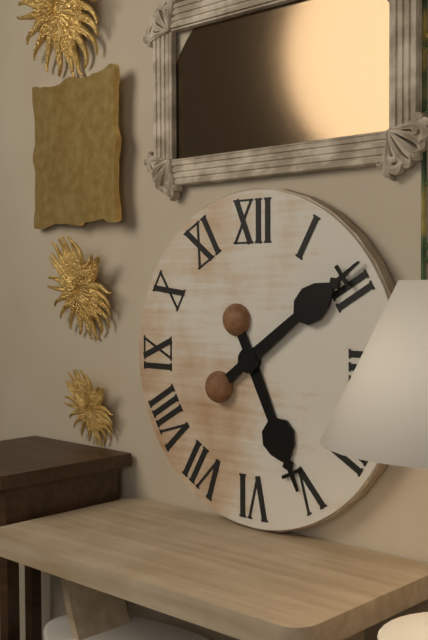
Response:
h=5 m=9
